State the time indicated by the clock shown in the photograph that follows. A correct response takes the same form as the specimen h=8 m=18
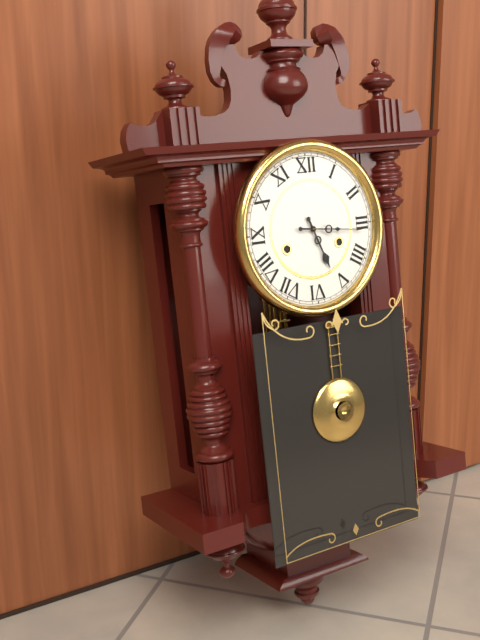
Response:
h=5 m=16
